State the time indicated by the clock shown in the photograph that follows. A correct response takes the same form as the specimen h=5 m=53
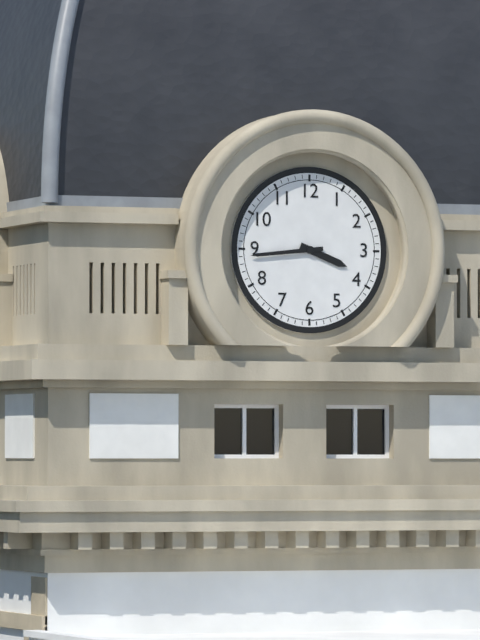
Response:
h=3 m=44
